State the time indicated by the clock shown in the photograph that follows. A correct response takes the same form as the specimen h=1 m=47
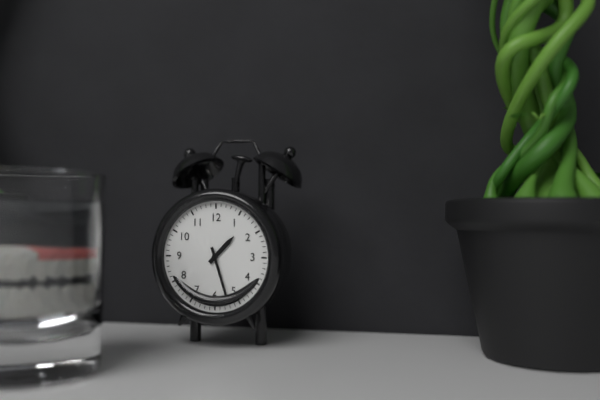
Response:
h=1 m=27
